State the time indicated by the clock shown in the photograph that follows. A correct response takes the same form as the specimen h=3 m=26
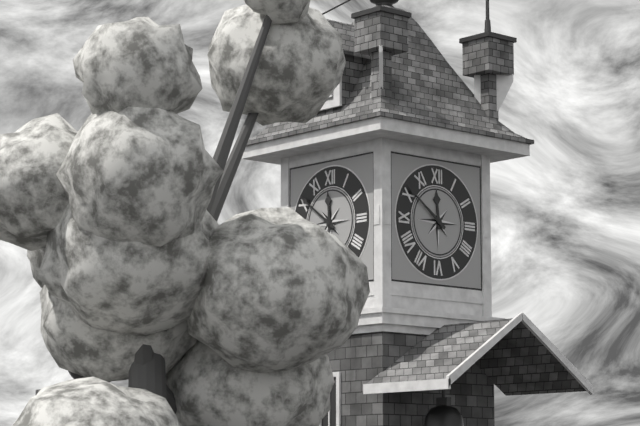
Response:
h=11 m=51
